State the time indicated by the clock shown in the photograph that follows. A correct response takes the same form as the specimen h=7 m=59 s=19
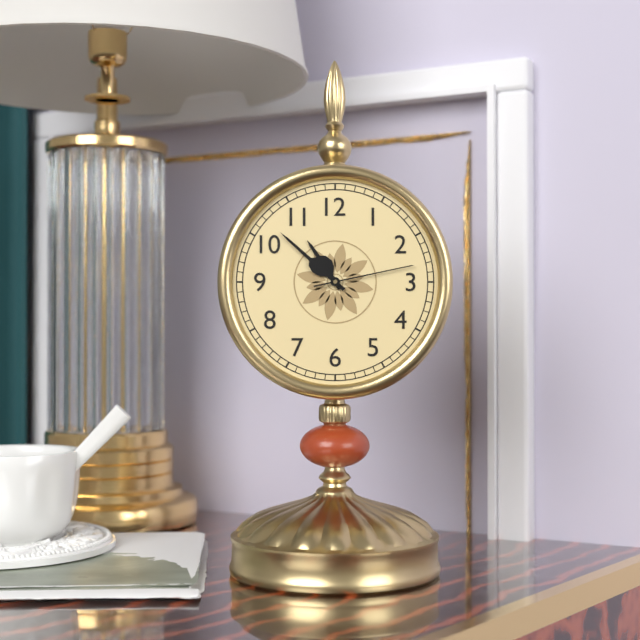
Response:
h=10 m=52 s=13
